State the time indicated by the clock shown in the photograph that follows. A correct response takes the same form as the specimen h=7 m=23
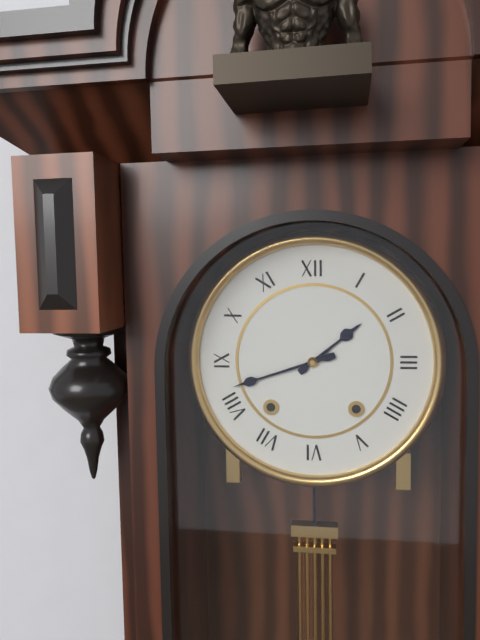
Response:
h=1 m=42
